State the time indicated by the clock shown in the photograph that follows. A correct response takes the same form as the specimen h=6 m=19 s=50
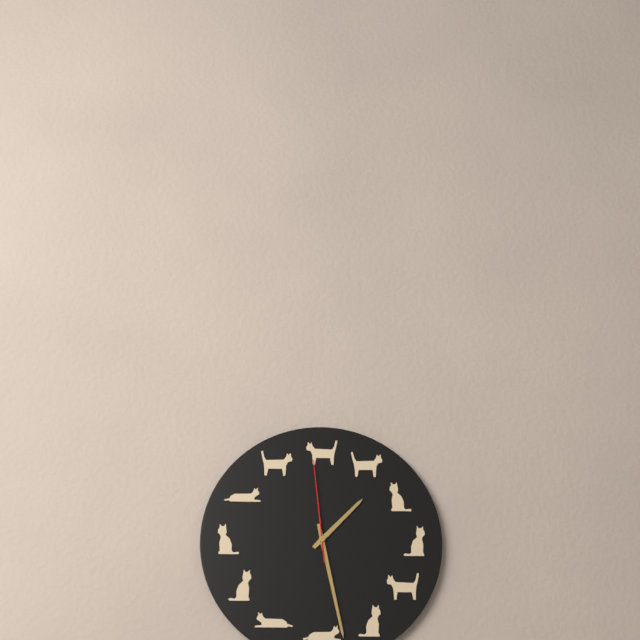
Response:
h=1 m=28 s=59
